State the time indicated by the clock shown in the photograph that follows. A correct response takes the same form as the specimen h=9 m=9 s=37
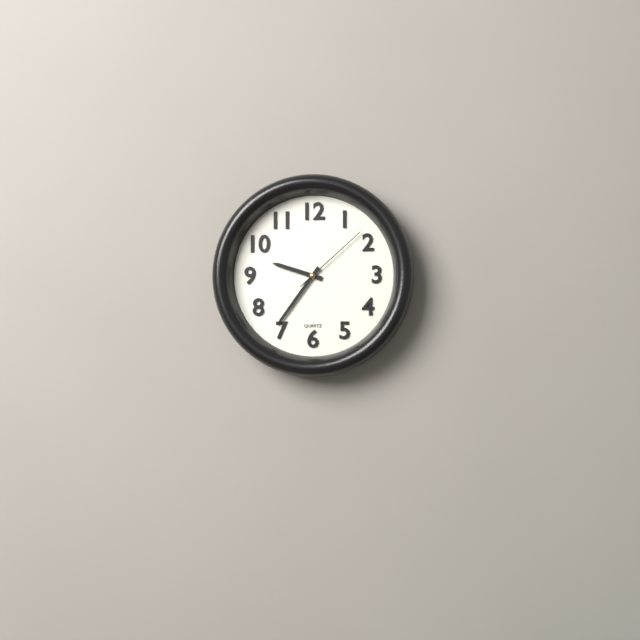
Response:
h=9 m=36 s=8
